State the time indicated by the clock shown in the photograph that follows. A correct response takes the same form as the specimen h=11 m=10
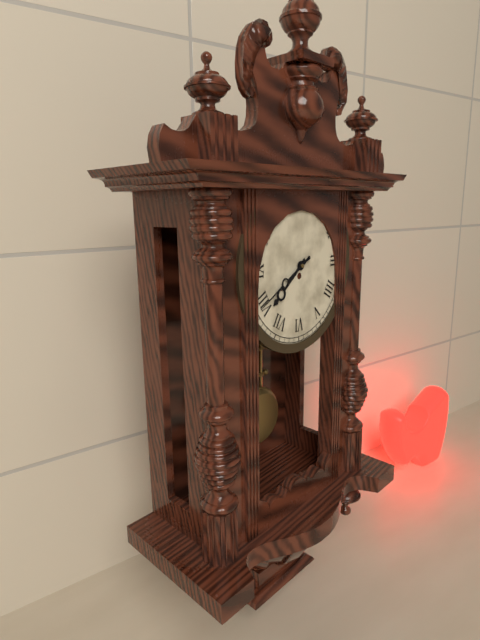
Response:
h=7 m=40
